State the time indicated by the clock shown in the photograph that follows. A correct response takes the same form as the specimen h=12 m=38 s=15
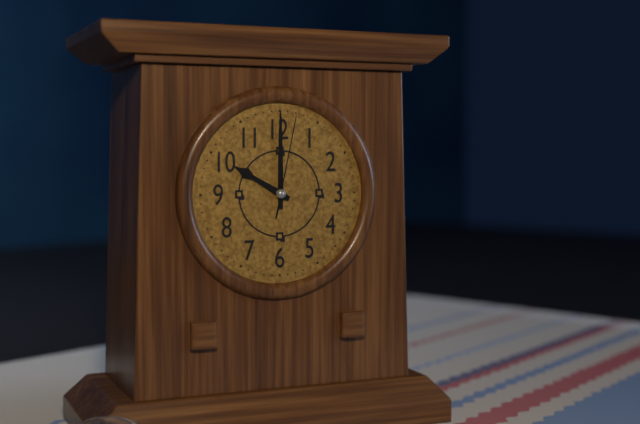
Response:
h=10 m=0 s=2
